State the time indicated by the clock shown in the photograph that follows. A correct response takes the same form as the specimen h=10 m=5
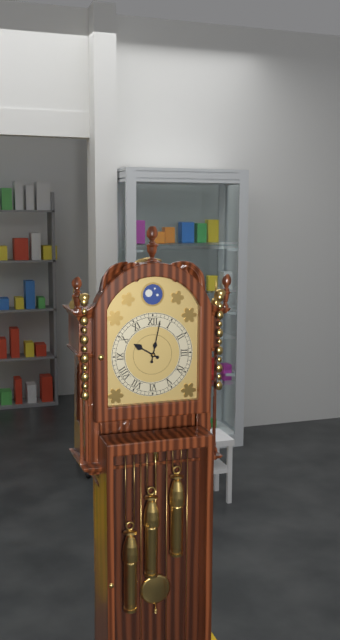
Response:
h=10 m=2
